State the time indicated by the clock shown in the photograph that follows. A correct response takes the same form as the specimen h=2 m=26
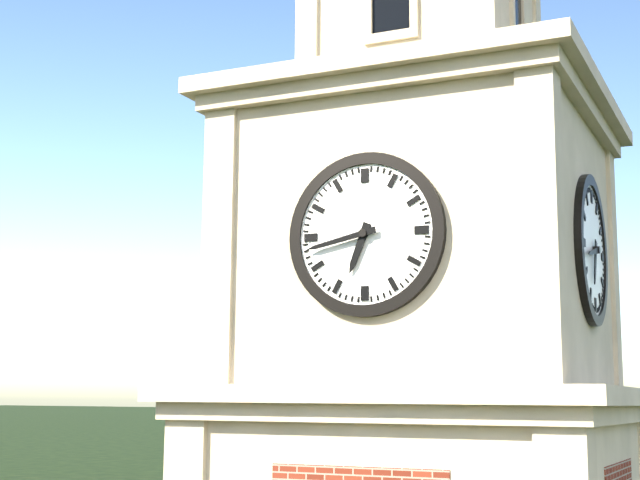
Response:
h=6 m=43
